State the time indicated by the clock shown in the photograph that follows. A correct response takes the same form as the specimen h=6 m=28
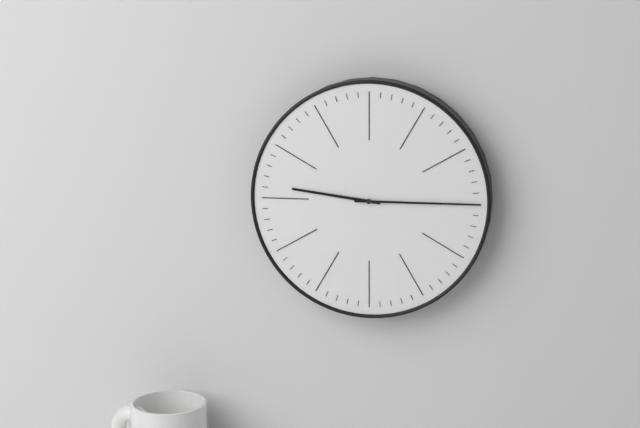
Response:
h=9 m=15
